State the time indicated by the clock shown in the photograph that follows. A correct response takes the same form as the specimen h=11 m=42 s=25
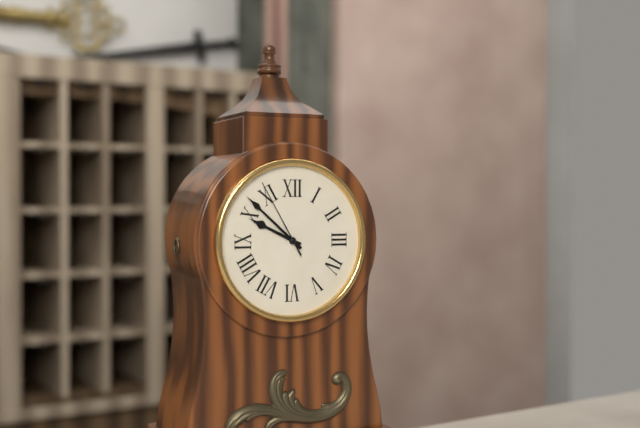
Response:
h=9 m=52 s=55
